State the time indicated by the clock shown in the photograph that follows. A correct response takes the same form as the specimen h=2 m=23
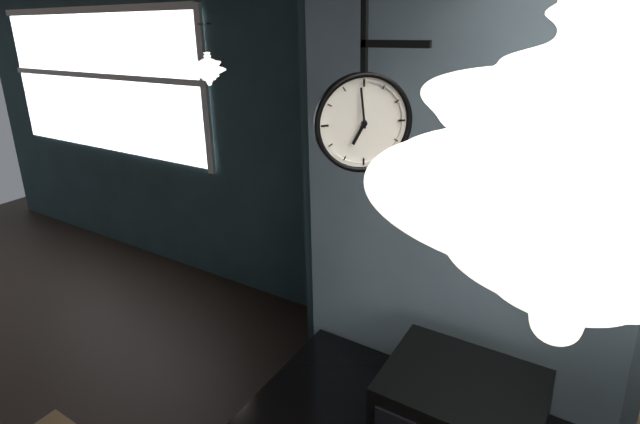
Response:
h=6 m=59
